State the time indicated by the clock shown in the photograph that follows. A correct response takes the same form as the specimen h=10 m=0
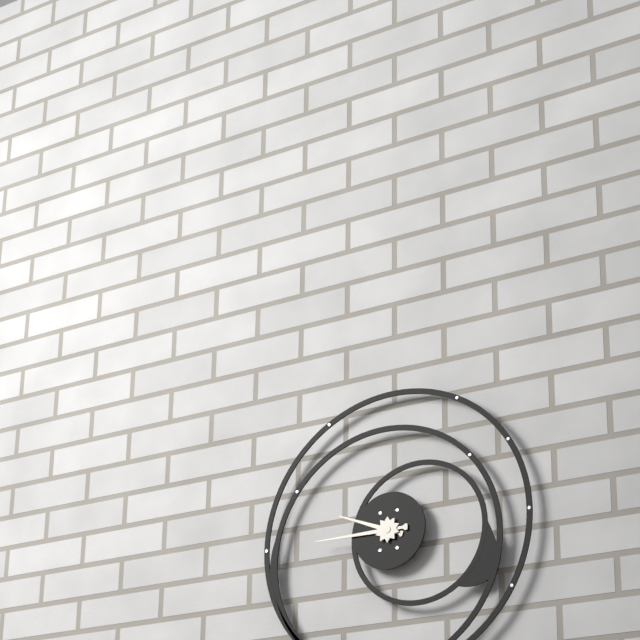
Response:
h=9 m=45
